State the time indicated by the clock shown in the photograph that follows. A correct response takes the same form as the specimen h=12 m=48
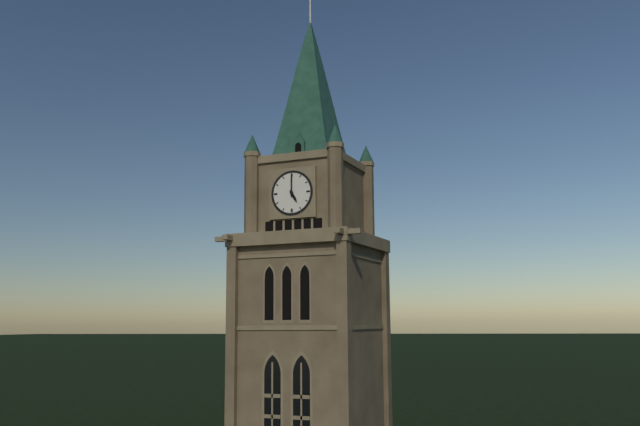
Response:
h=5 m=0
